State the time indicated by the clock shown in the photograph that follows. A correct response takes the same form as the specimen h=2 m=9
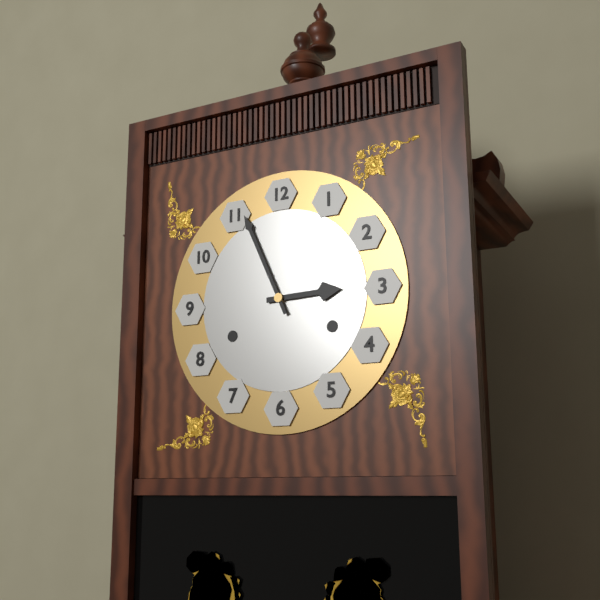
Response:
h=2 m=56
